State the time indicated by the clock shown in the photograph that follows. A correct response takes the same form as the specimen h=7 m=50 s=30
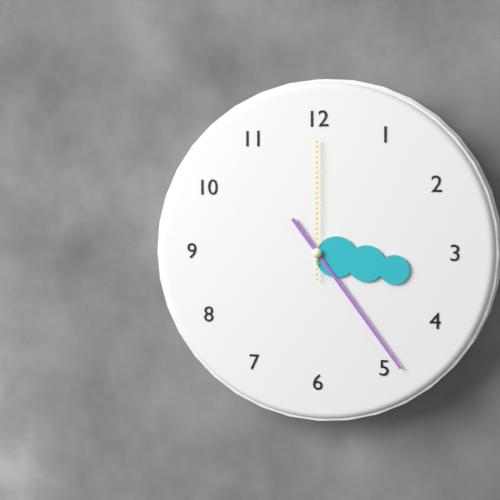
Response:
h=3 m=24 s=0
